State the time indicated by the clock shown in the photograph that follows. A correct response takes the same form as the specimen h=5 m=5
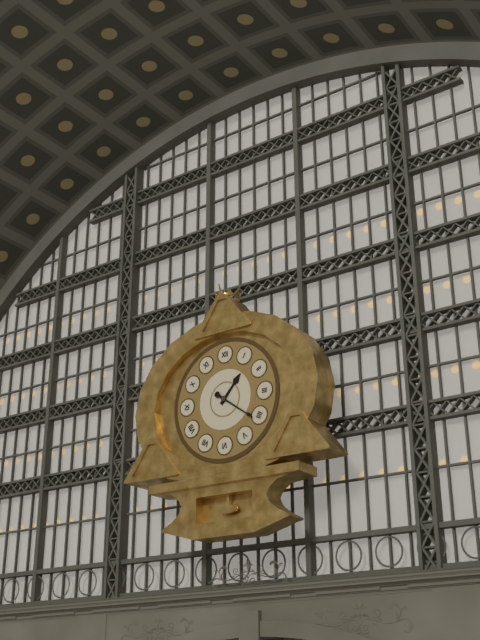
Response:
h=1 m=21
